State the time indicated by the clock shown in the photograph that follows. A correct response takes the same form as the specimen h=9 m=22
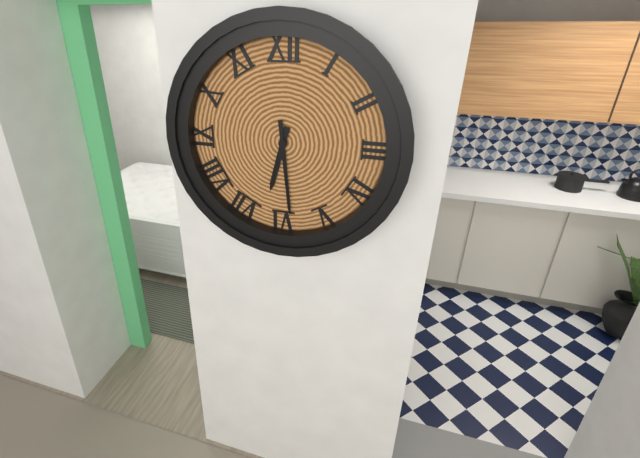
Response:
h=6 m=29
